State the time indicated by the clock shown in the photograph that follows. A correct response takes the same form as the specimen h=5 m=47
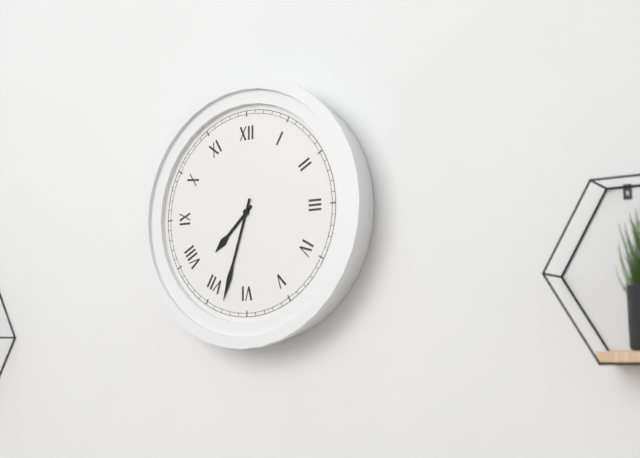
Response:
h=7 m=33
